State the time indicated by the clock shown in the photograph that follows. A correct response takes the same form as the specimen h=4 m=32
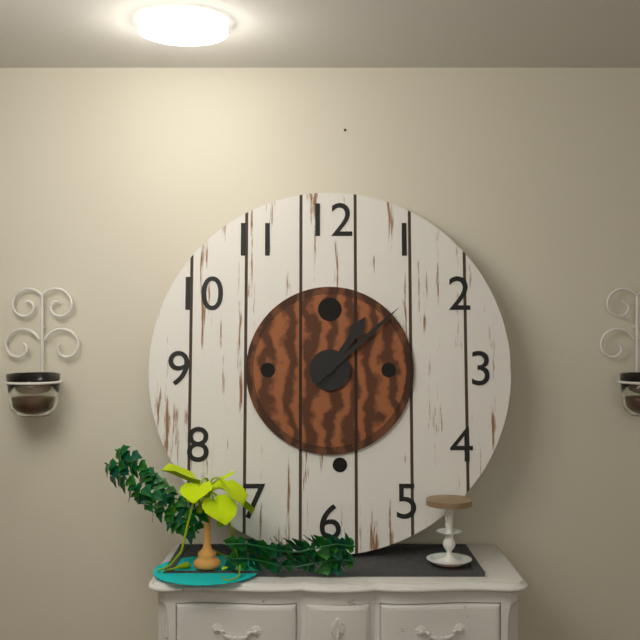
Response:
h=1 m=8
